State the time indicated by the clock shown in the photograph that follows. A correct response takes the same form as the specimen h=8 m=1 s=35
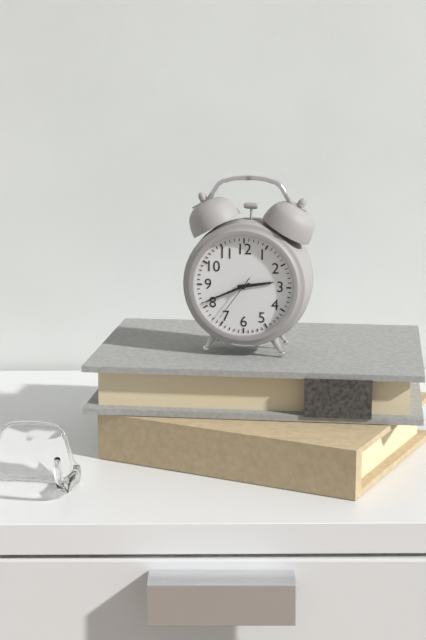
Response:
h=2 m=41 s=36
